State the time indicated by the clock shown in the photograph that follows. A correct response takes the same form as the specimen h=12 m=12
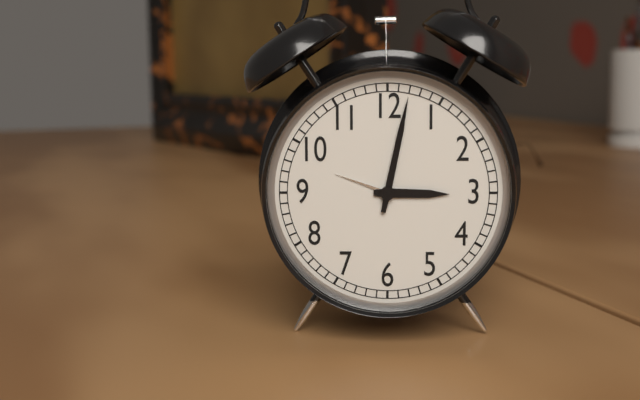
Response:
h=3 m=2
